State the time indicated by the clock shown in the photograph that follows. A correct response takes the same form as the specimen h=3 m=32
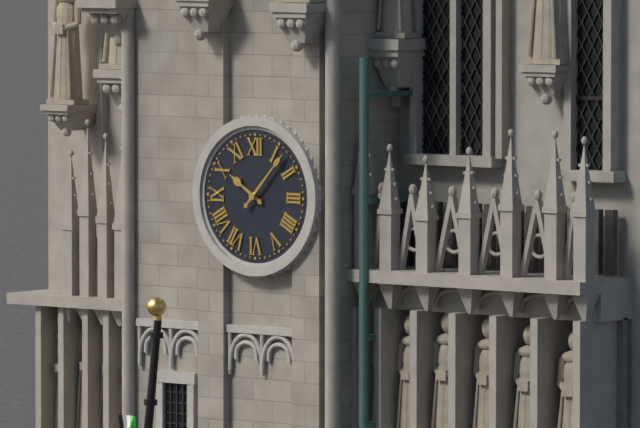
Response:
h=10 m=7
